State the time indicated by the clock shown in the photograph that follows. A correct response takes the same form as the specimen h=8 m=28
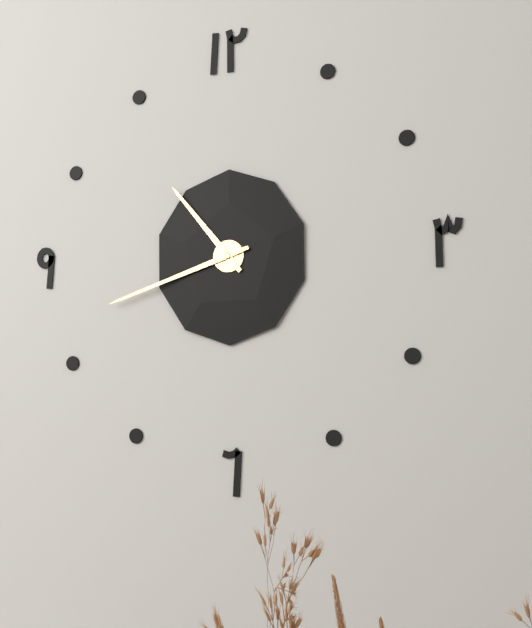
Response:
h=10 m=42
